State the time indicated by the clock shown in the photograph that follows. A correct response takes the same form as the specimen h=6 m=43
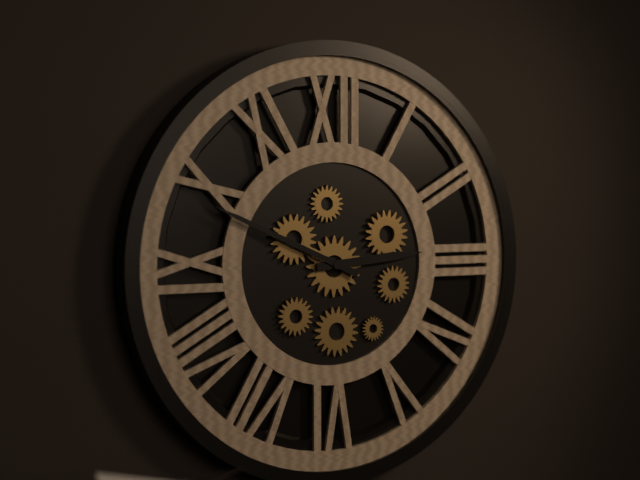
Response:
h=2 m=49
